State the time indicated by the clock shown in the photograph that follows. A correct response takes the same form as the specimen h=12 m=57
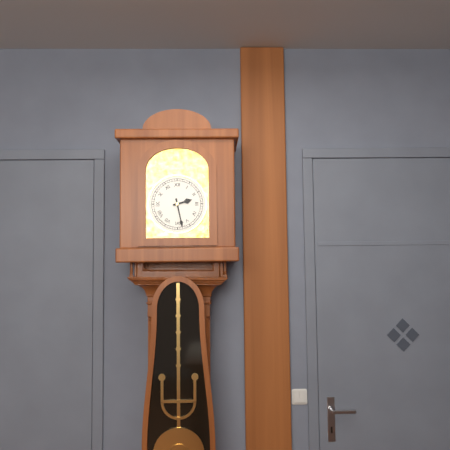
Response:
h=2 m=28
